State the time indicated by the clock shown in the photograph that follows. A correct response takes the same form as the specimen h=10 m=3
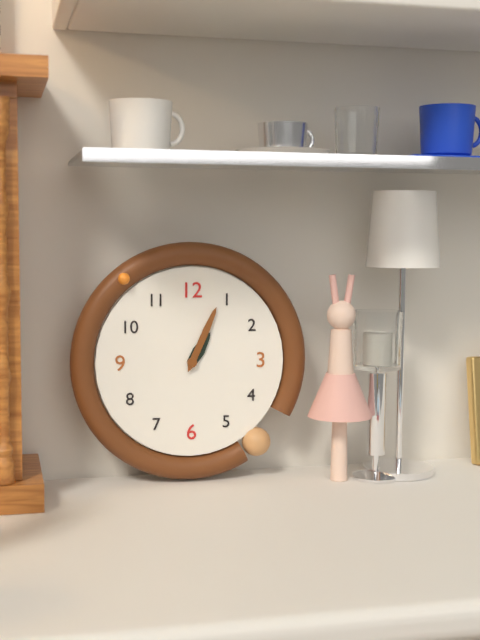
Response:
h=1 m=4
